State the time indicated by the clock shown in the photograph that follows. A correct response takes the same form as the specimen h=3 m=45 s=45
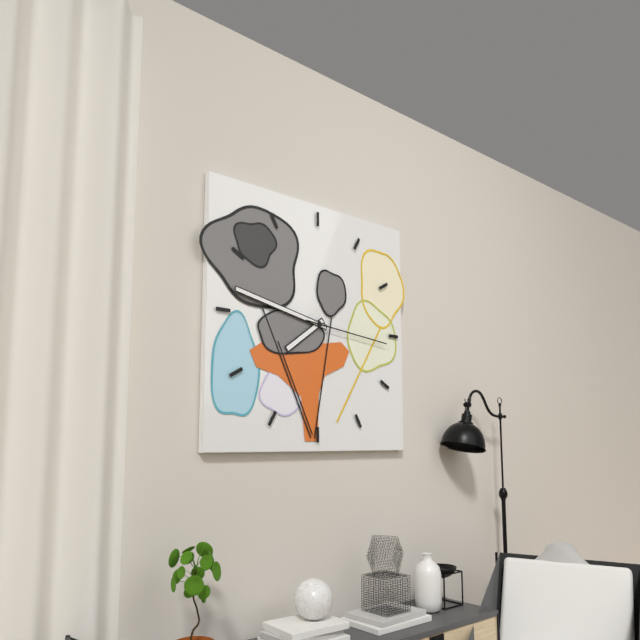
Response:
h=7 m=47 s=16
